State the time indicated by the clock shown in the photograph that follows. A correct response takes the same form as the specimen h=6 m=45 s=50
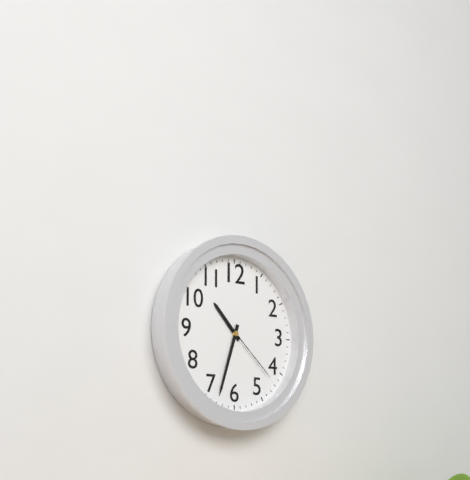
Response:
h=10 m=33 s=22
